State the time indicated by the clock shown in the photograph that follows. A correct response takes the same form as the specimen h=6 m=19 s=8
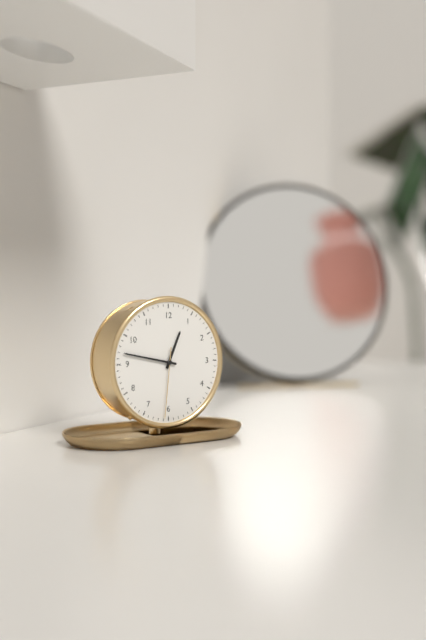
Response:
h=12 m=47 s=31
